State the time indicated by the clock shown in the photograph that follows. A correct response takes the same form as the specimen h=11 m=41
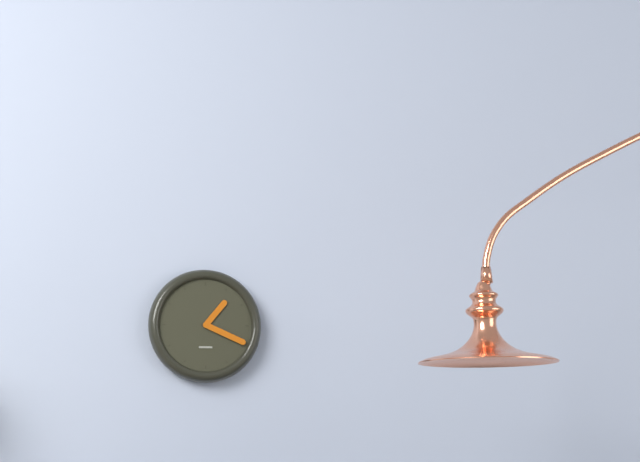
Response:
h=1 m=19
